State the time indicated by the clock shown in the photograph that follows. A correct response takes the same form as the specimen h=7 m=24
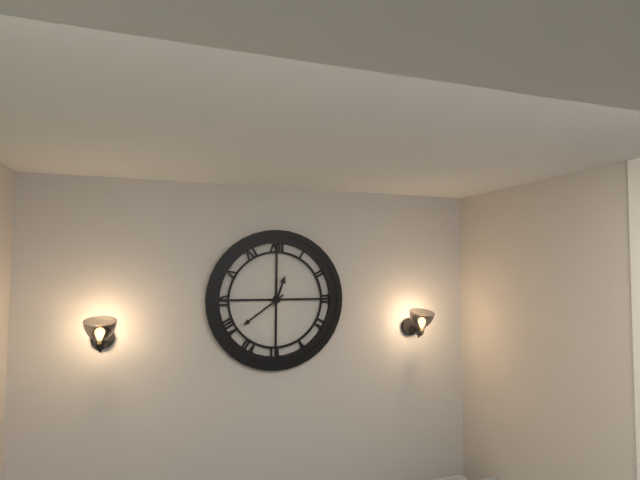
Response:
h=12 m=39
